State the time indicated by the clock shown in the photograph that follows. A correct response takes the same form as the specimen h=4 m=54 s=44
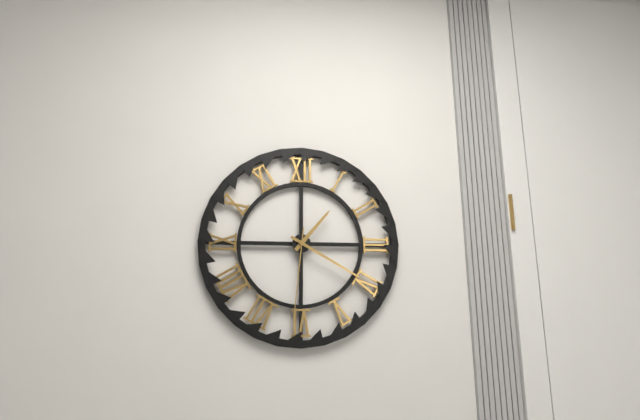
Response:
h=1 m=20 s=31
